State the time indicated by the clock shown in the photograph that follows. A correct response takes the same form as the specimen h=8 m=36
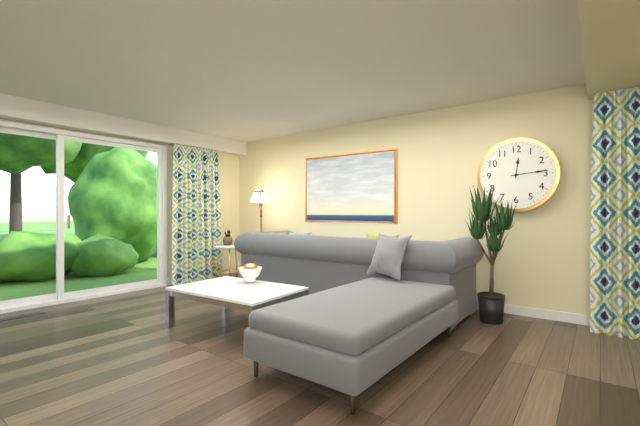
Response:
h=12 m=14
